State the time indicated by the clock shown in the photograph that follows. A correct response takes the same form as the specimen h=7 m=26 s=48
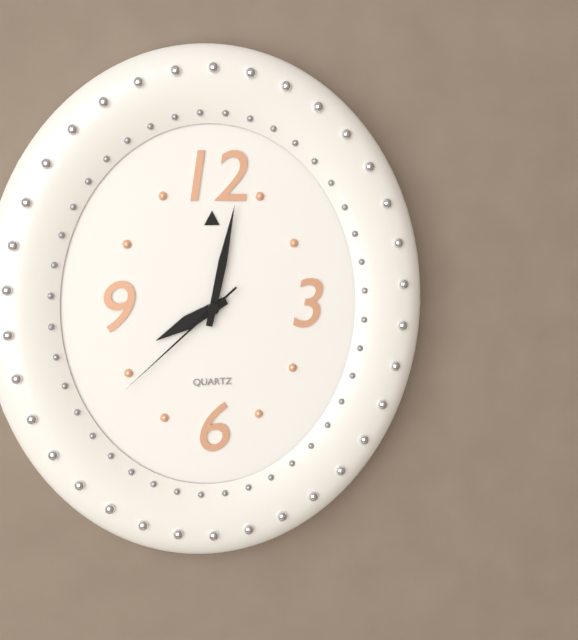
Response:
h=8 m=2 s=38
